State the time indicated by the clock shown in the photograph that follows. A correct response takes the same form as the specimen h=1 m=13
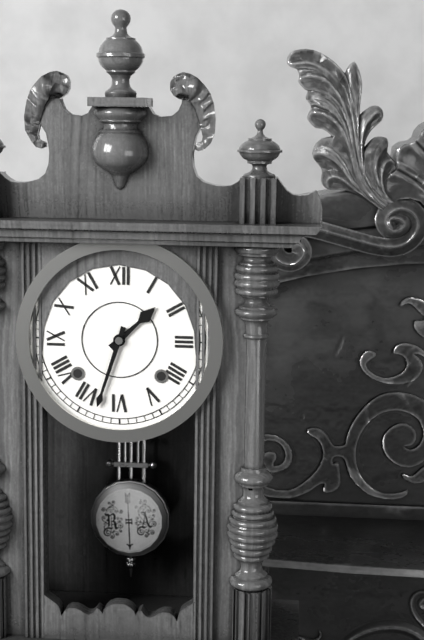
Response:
h=1 m=33
